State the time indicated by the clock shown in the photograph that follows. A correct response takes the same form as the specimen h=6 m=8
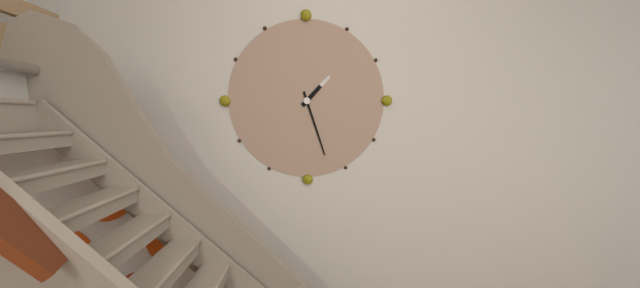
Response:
h=1 m=27
